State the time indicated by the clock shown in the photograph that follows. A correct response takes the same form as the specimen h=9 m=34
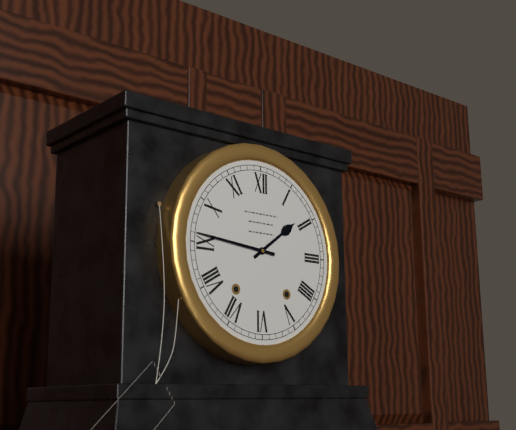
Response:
h=1 m=46
